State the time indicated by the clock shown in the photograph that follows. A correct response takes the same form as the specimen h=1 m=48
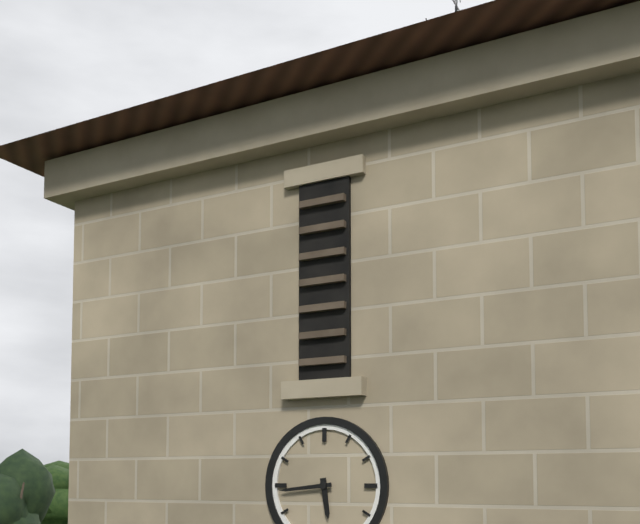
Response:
h=5 m=44
